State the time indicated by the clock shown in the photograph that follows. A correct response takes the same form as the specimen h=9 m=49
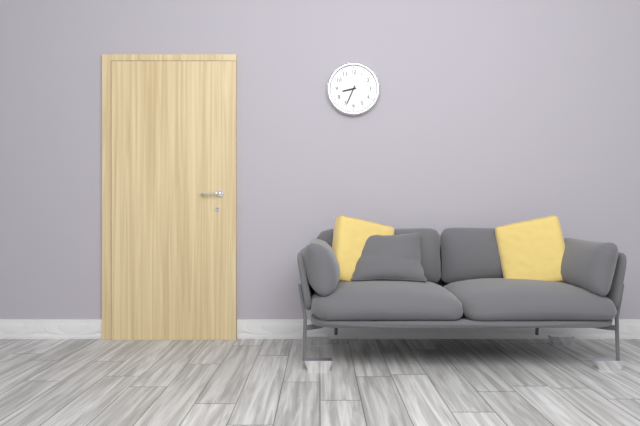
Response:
h=8 m=34
